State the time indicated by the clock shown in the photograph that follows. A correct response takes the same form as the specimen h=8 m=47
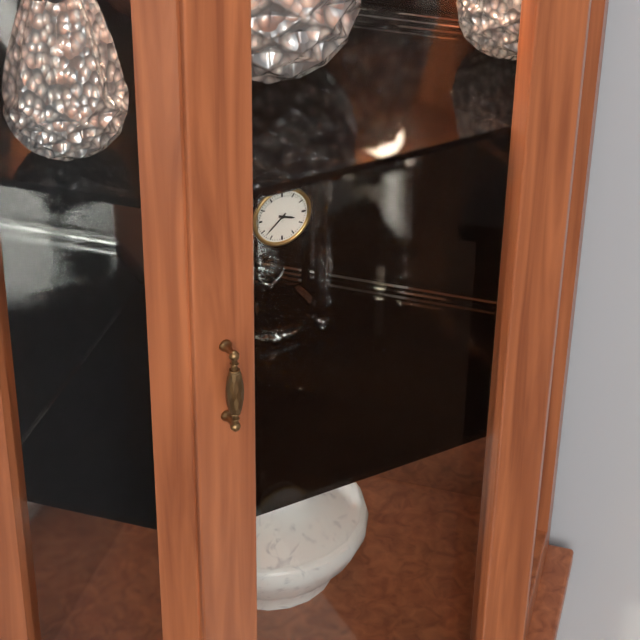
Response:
h=3 m=38
